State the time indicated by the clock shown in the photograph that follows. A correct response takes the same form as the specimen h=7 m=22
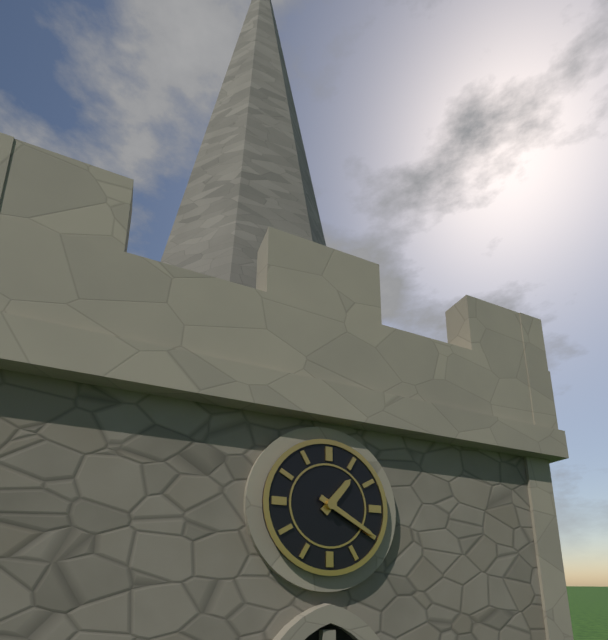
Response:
h=1 m=20
